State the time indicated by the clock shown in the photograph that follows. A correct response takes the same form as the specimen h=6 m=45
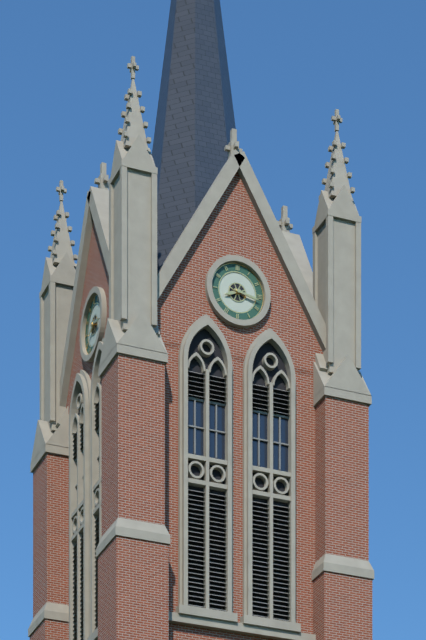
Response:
h=8 m=17
